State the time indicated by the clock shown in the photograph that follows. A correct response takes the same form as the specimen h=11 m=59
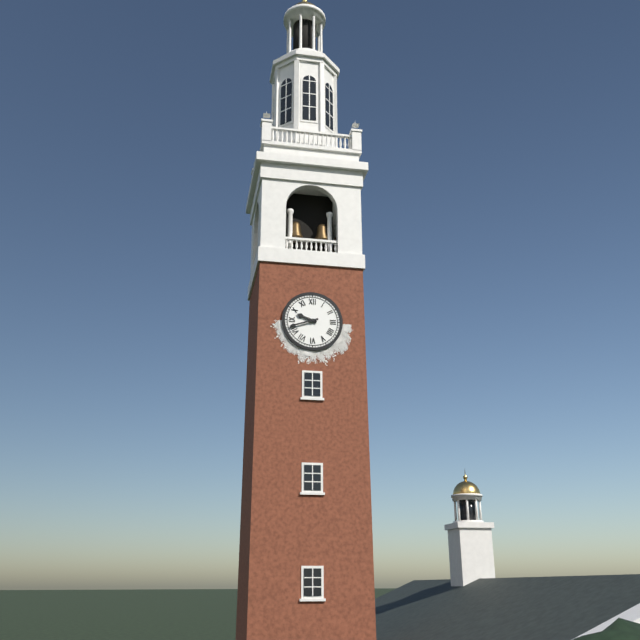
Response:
h=9 m=42
